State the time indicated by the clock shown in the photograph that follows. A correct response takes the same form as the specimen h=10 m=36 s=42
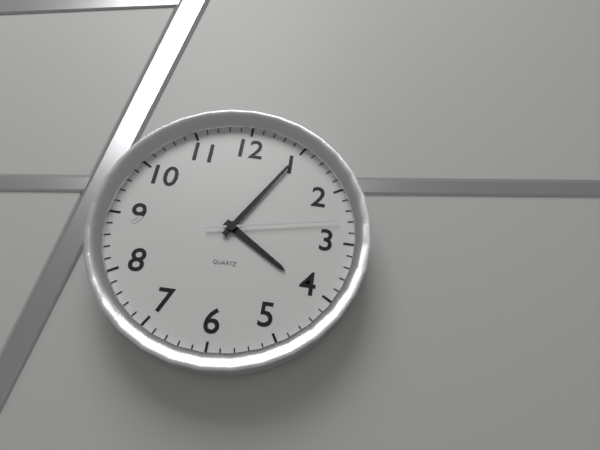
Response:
h=4 m=5 s=13
